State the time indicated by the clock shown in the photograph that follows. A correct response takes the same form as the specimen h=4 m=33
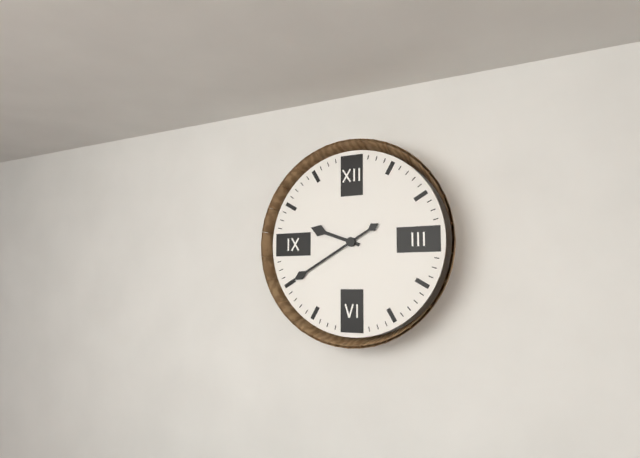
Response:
h=9 m=40
